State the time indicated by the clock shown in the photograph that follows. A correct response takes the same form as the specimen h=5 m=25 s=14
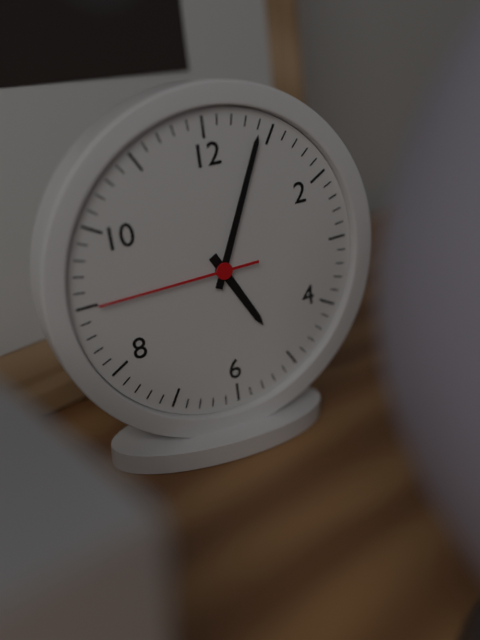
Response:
h=5 m=4 s=45
